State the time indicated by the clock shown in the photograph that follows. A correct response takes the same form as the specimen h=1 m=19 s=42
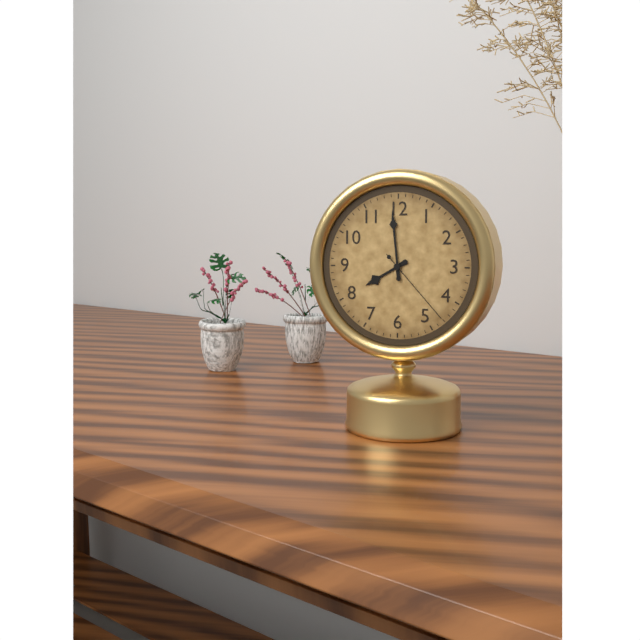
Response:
h=7 m=59 s=23
